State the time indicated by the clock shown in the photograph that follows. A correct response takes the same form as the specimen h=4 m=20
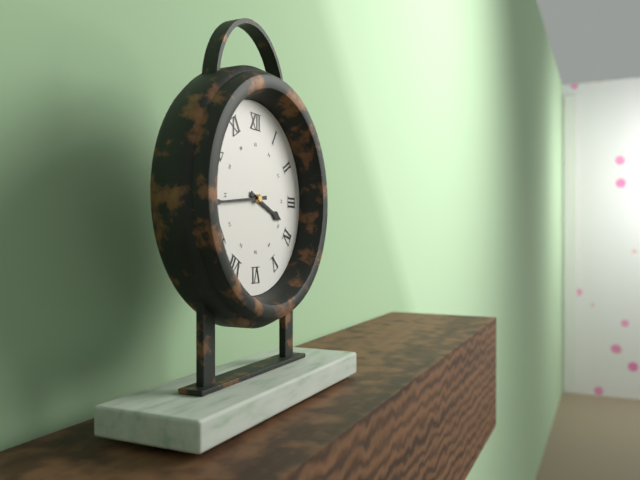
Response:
h=3 m=44
